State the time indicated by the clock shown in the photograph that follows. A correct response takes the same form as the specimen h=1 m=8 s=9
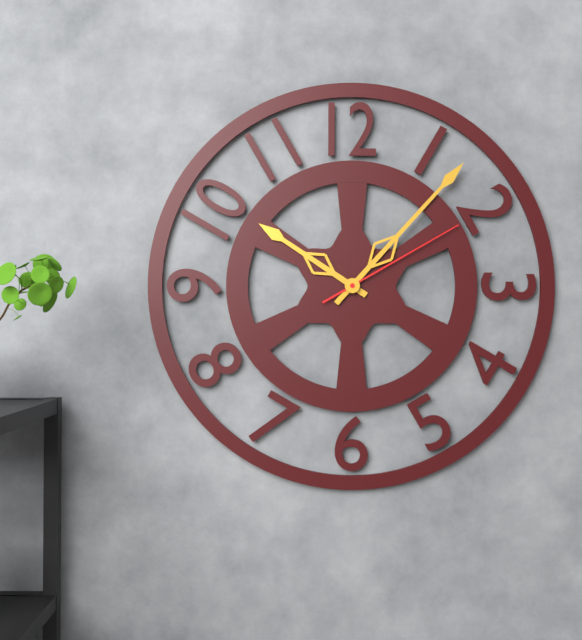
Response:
h=10 m=7 s=10
